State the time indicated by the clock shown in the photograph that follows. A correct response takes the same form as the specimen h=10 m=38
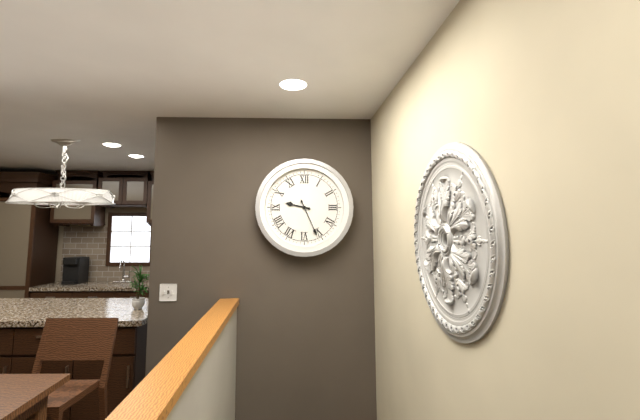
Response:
h=9 m=26
